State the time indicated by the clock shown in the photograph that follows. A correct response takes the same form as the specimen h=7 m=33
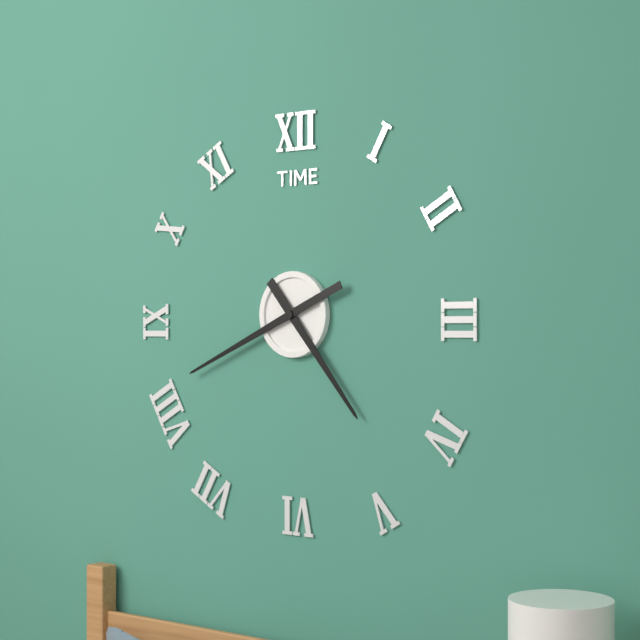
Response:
h=4 m=41
